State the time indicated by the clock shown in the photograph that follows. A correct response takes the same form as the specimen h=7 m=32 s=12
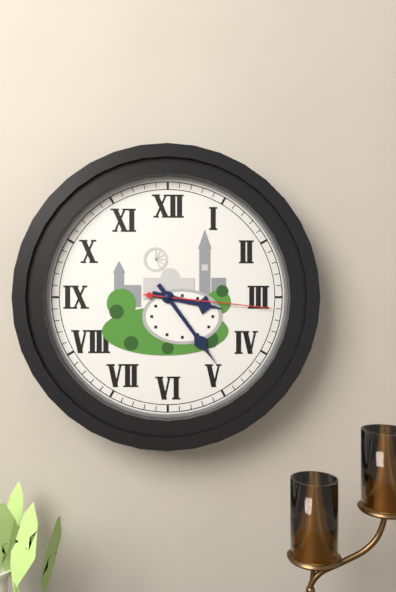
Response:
h=3 m=24 s=16
